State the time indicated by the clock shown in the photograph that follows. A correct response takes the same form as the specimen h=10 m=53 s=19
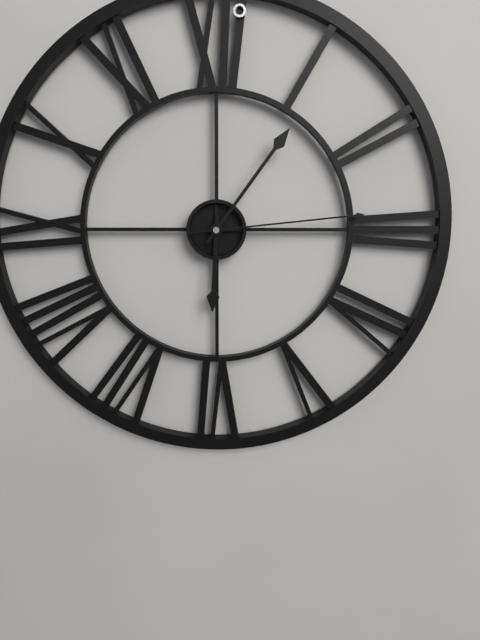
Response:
h=6 m=6 s=14
